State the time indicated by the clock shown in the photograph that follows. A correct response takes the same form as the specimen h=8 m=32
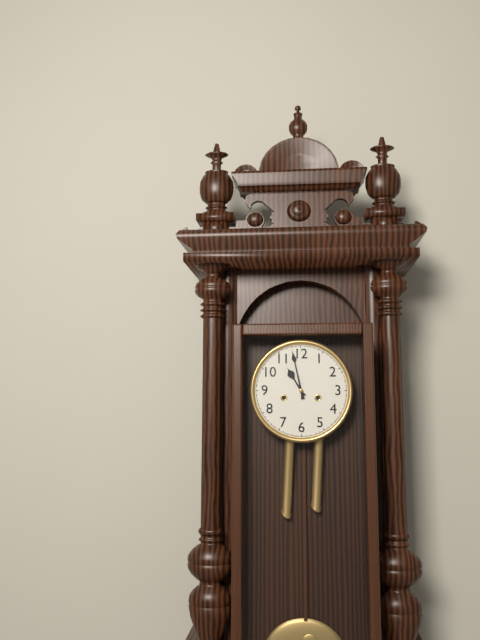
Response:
h=10 m=58
